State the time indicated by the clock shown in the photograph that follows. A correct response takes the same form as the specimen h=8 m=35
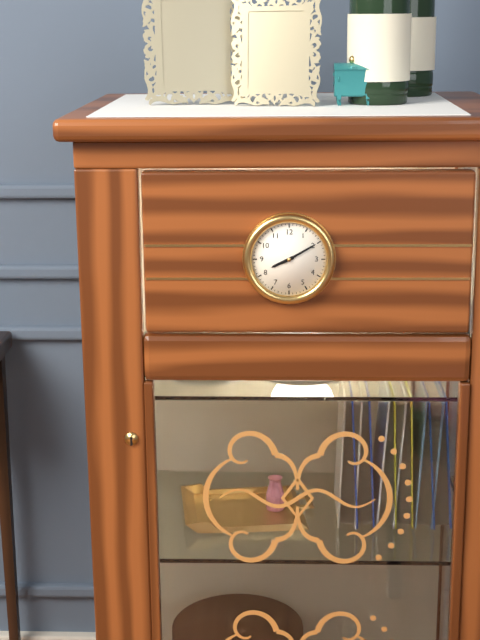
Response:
h=8 m=10
